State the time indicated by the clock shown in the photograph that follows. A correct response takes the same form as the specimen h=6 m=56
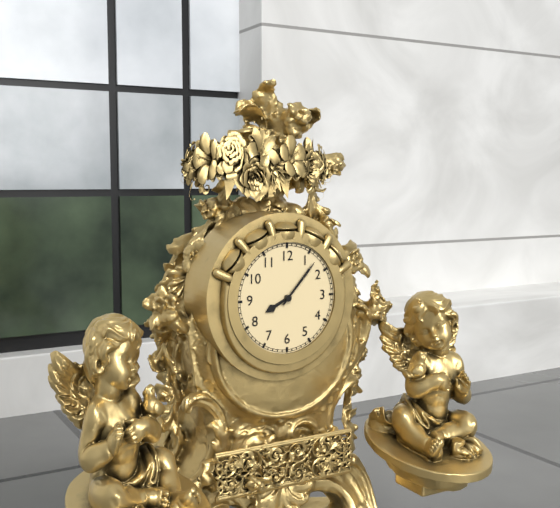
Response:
h=8 m=7
